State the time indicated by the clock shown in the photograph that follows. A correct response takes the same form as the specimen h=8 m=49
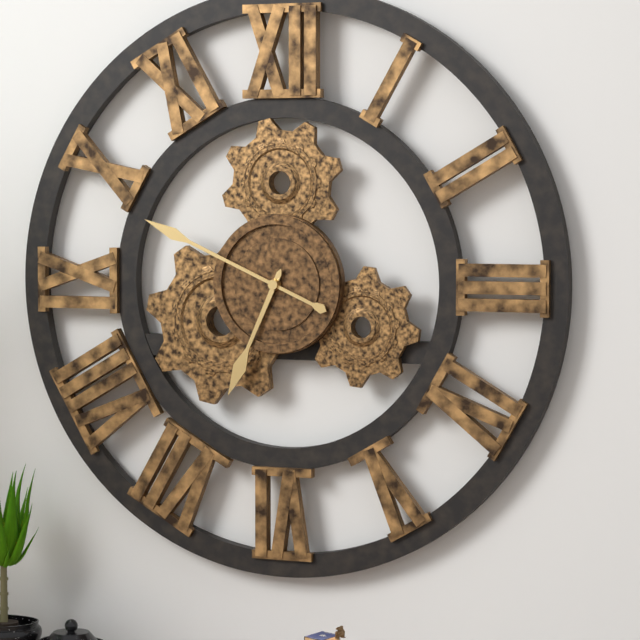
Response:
h=6 m=49
